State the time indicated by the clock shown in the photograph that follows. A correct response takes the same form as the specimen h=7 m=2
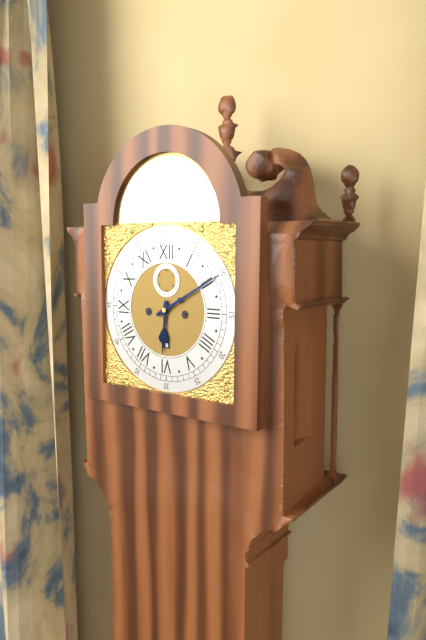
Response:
h=6 m=10
